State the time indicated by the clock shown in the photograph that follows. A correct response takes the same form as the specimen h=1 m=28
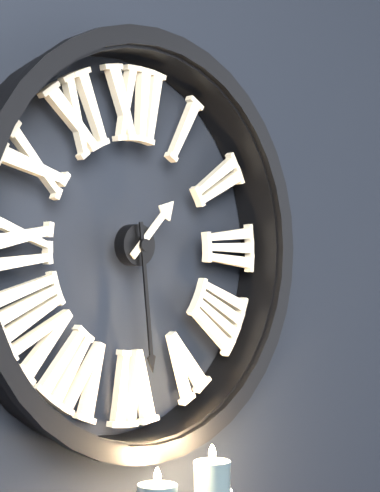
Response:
h=1 m=29
